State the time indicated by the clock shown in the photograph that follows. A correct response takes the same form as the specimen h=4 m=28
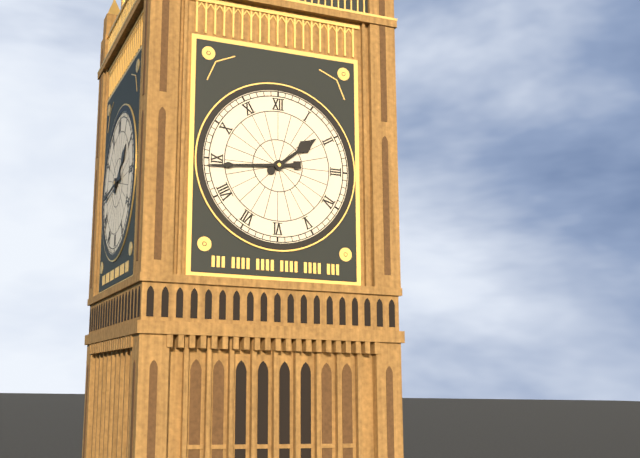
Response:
h=1 m=44
